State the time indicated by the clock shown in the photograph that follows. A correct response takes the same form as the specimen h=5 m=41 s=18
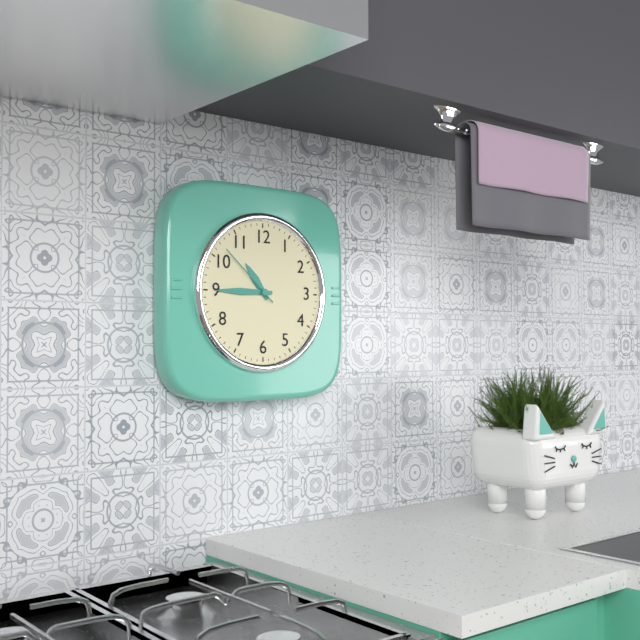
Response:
h=10 m=45 s=52
